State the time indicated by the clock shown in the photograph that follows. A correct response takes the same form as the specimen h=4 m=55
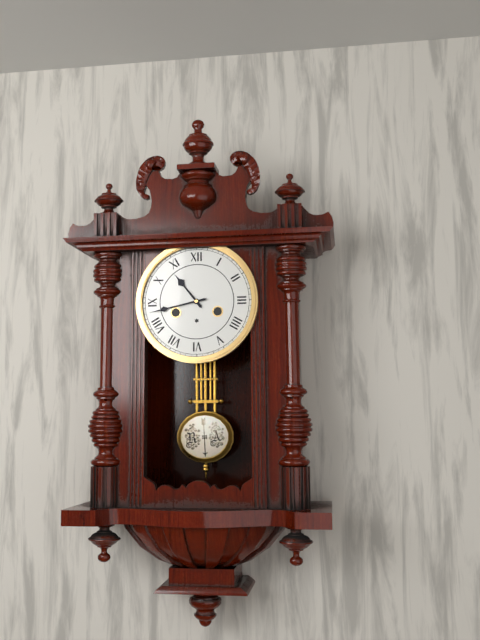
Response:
h=10 m=43
